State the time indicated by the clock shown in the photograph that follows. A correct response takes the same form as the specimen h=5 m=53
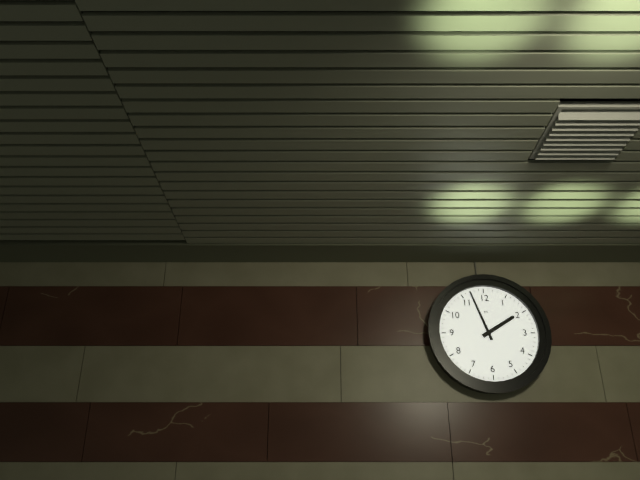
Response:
h=1 m=57
